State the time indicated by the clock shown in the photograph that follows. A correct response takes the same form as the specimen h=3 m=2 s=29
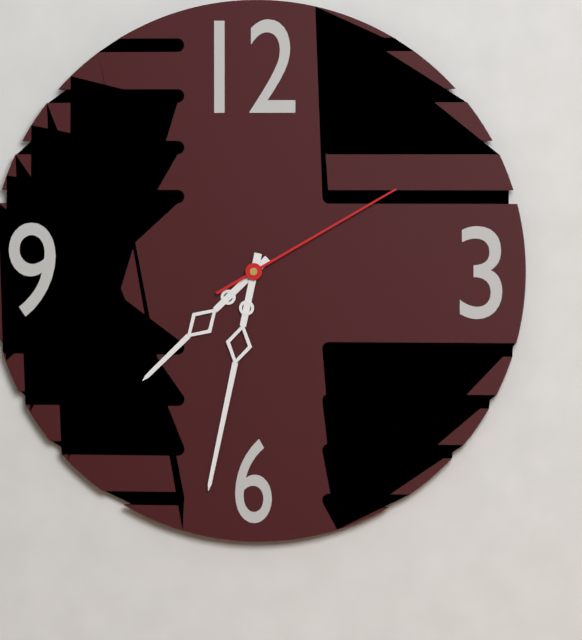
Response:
h=7 m=32 s=10
